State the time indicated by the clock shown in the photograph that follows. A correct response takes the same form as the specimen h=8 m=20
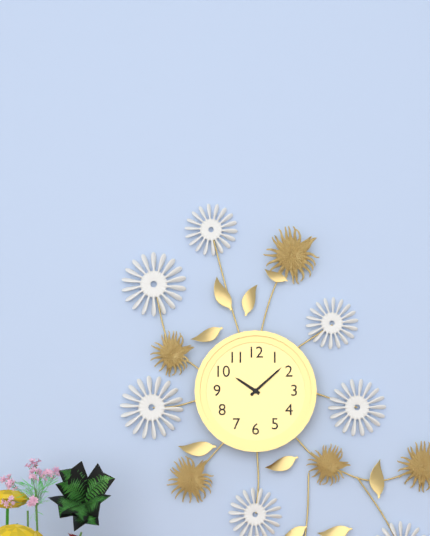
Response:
h=10 m=8
